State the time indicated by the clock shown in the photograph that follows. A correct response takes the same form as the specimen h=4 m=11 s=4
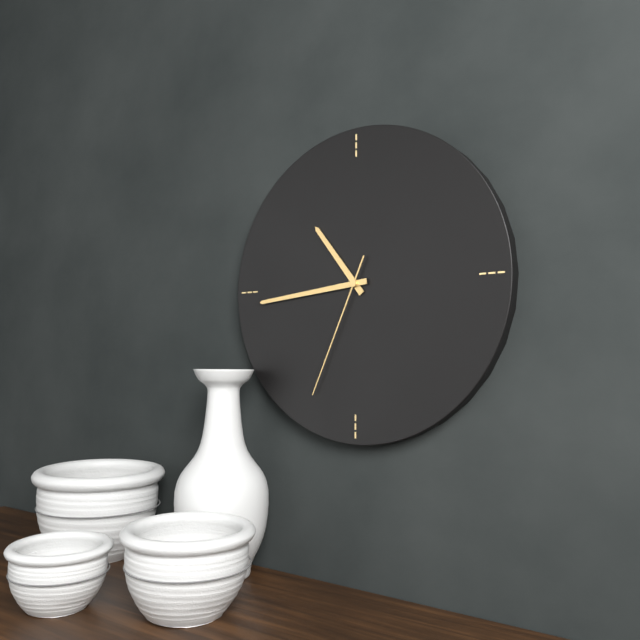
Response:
h=10 m=44 s=34
